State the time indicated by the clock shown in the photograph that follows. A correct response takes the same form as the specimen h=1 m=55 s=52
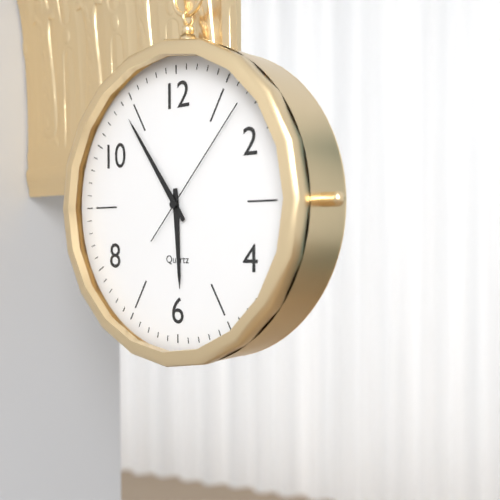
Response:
h=5 m=54 s=7
